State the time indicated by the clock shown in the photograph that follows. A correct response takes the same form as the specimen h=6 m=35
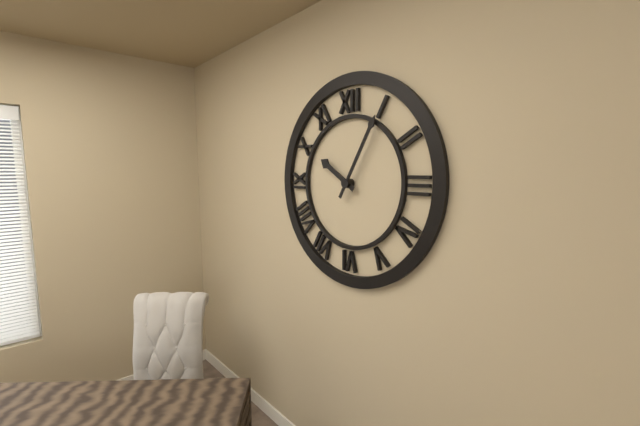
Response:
h=10 m=5
